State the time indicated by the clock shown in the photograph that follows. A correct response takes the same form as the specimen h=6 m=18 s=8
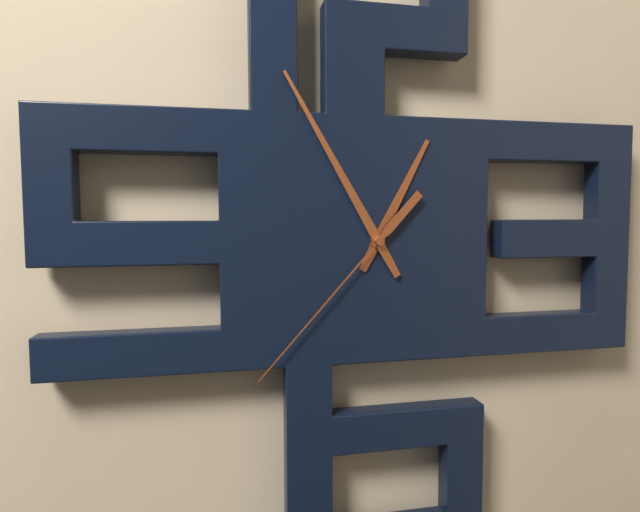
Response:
h=12 m=55 s=37
